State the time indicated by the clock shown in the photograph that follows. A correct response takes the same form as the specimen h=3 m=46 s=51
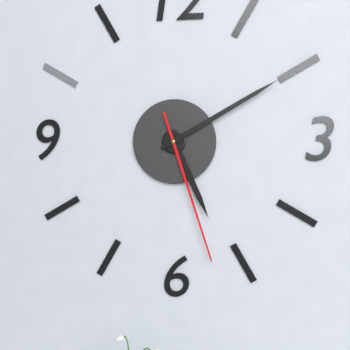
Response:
h=5 m=10 s=27
